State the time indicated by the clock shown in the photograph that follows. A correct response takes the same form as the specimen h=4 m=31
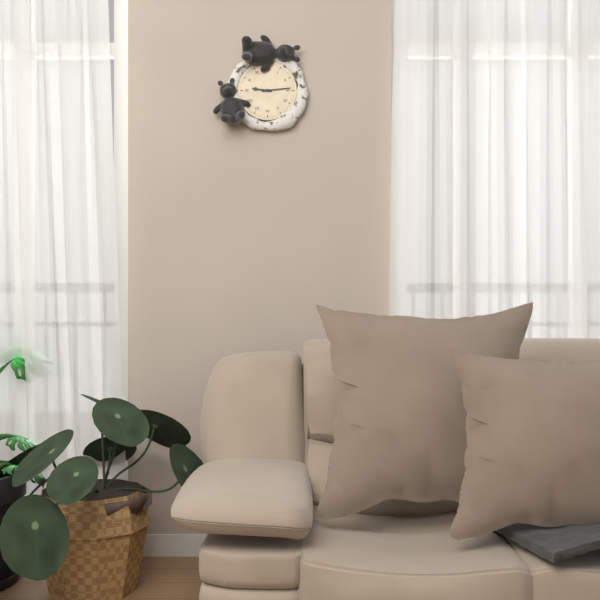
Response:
h=9 m=14
